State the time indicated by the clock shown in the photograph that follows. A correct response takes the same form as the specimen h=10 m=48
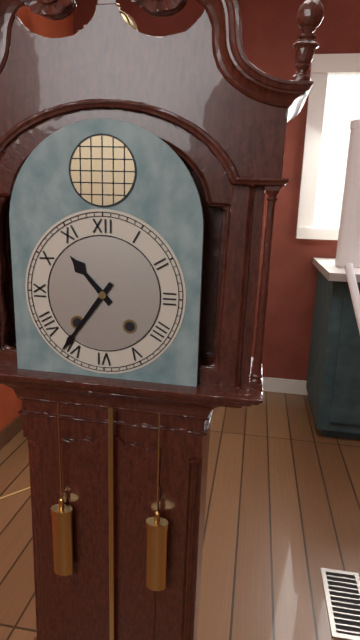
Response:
h=10 m=36
